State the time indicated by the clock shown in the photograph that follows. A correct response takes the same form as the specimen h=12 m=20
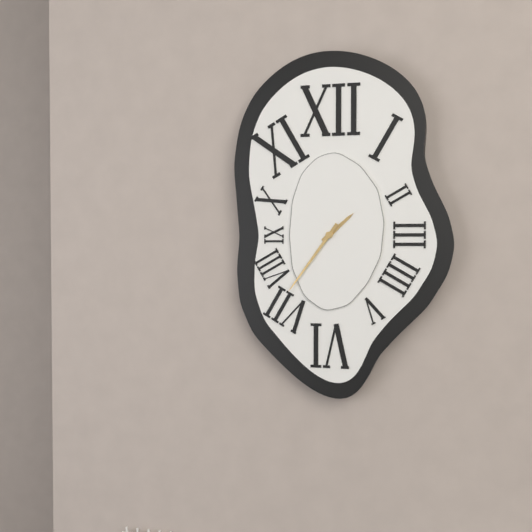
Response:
h=1 m=36
